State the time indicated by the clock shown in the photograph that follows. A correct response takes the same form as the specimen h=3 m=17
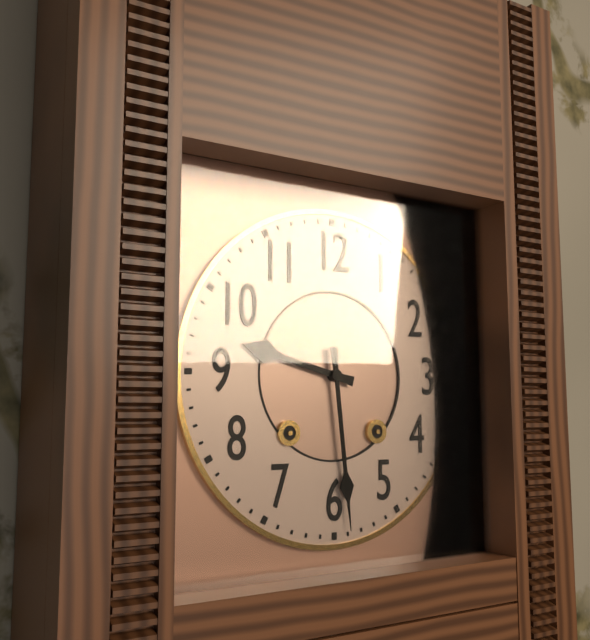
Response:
h=9 m=29
